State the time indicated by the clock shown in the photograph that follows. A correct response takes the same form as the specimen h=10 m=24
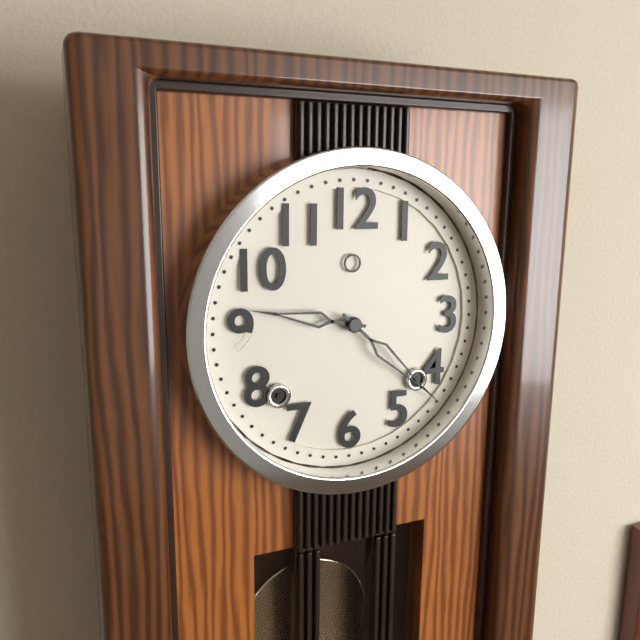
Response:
h=9 m=22
